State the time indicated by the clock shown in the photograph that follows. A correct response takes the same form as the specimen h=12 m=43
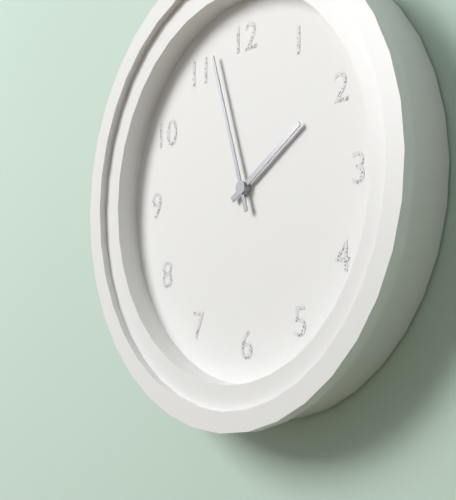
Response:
h=1 m=57
